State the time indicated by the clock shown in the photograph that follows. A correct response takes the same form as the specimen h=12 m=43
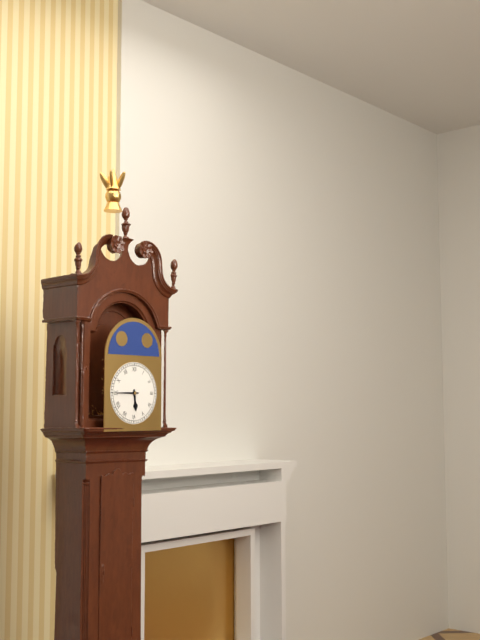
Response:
h=5 m=45
